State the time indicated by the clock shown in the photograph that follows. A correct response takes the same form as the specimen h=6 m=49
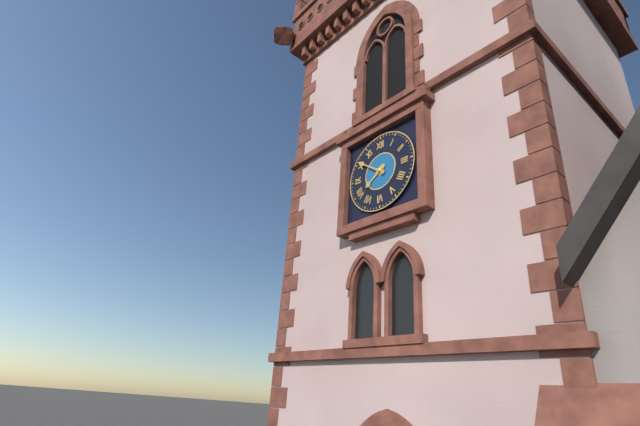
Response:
h=7 m=51
